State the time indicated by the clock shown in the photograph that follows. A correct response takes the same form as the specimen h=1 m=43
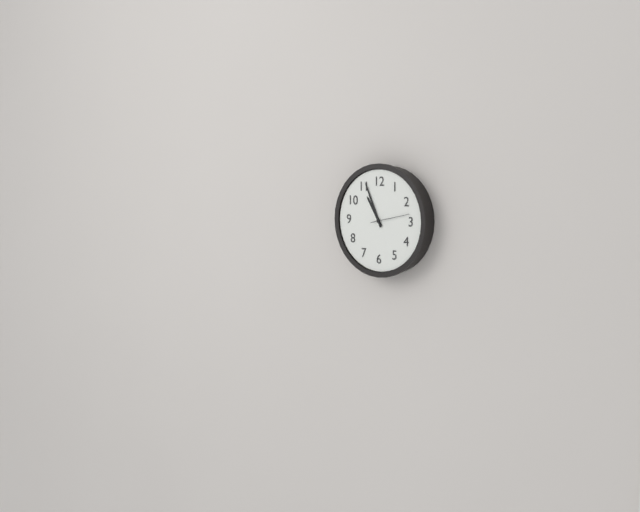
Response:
h=10 m=56
